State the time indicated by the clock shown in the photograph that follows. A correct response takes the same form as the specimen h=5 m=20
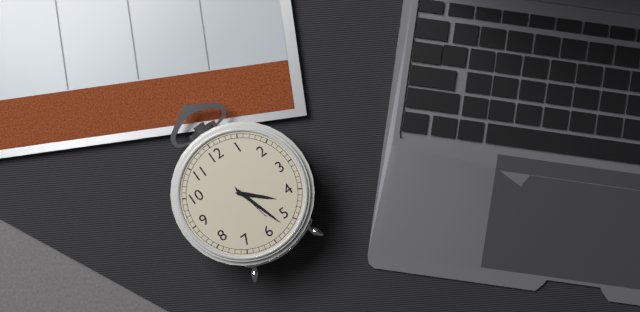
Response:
h=4 m=27
